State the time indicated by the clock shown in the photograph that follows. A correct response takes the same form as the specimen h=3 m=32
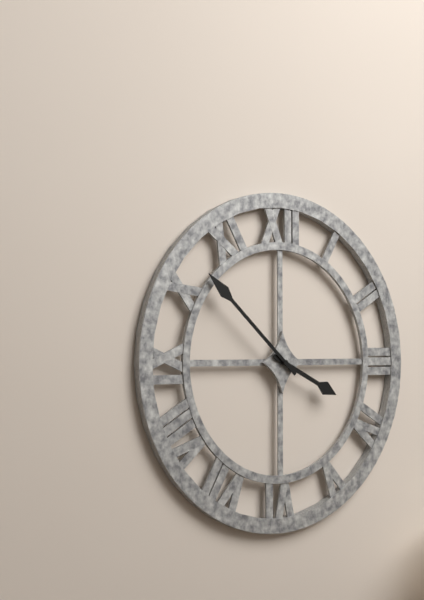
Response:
h=3 m=52
